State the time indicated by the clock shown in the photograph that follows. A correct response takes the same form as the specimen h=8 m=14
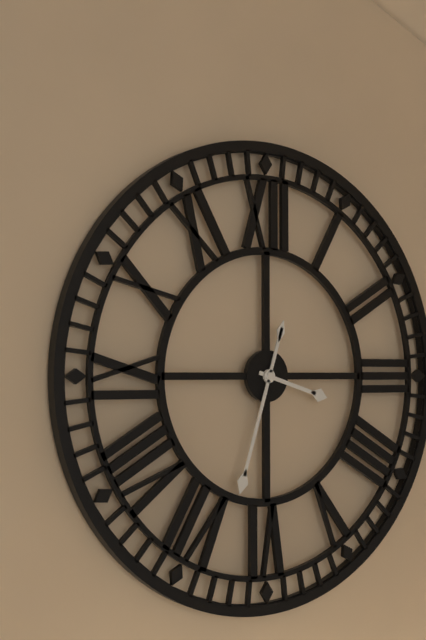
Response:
h=3 m=33
